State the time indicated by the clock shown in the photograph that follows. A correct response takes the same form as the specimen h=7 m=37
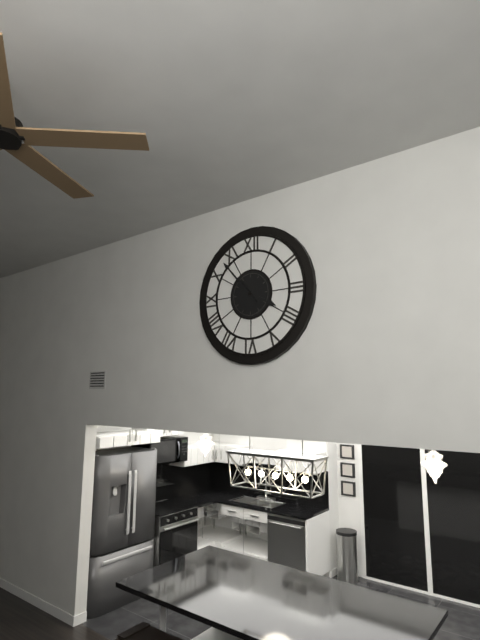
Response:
h=3 m=53
